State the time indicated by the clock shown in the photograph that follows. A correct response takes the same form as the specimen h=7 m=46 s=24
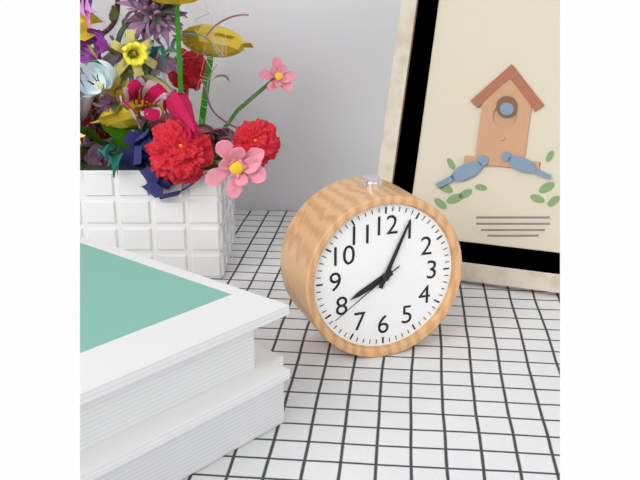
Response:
h=8 m=4 s=39
